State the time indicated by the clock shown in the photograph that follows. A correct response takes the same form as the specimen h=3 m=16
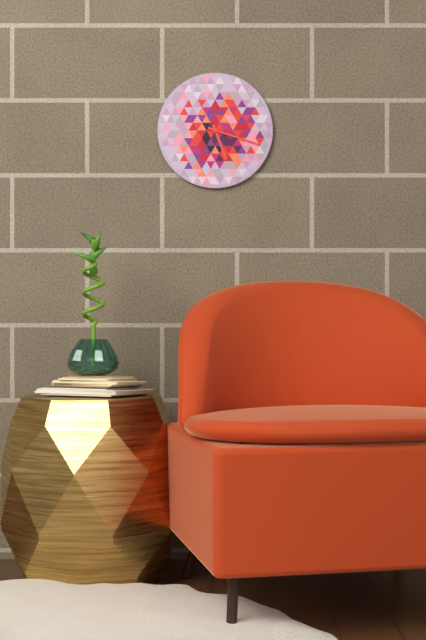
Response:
h=5 m=18
